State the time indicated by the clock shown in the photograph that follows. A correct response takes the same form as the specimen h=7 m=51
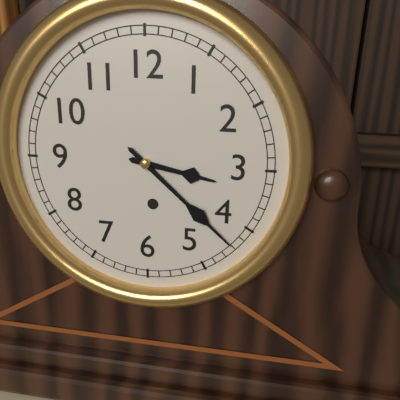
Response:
h=3 m=22
